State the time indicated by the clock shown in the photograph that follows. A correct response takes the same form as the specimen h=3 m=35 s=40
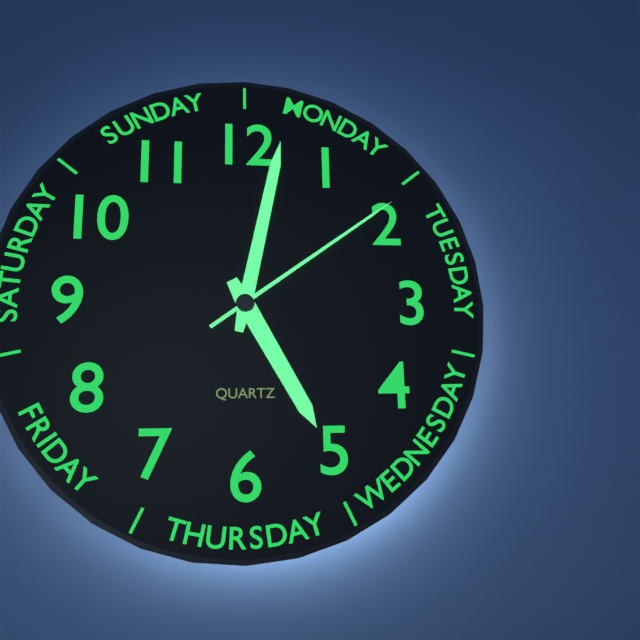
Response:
h=5 m=2 s=9
